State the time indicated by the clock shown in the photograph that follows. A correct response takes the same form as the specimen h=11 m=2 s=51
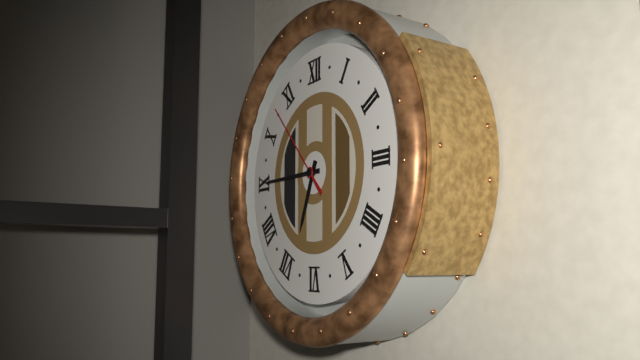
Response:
h=6 m=45 s=53
